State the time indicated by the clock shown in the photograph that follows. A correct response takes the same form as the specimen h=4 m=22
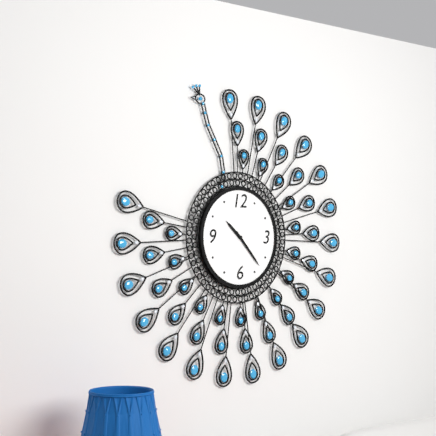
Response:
h=10 m=23
